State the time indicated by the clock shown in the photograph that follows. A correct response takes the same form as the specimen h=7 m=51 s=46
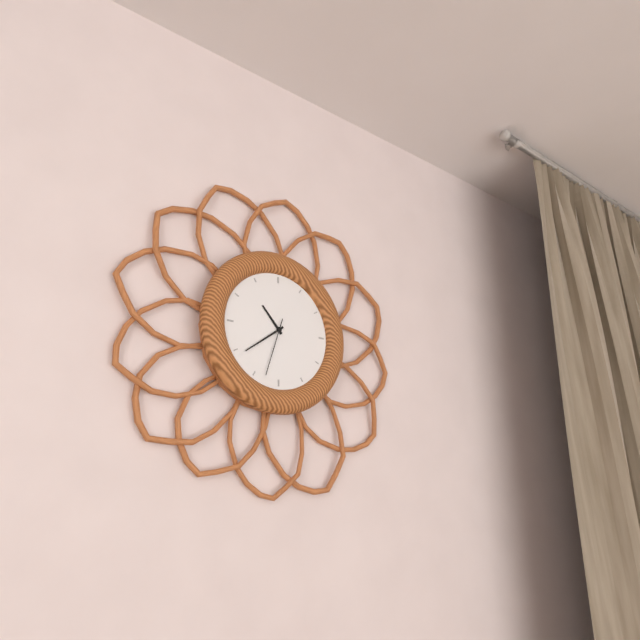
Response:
h=10 m=39 s=33
